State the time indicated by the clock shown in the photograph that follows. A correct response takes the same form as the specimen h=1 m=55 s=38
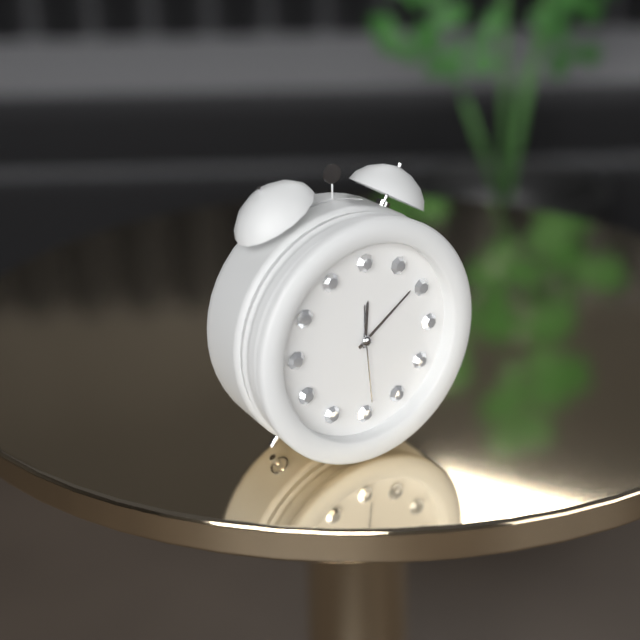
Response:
h=12 m=9 s=29
